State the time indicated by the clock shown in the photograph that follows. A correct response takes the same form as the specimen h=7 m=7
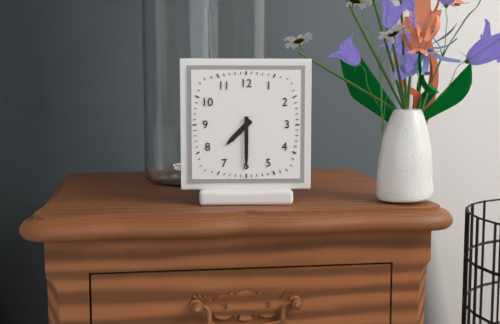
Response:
h=7 m=30
